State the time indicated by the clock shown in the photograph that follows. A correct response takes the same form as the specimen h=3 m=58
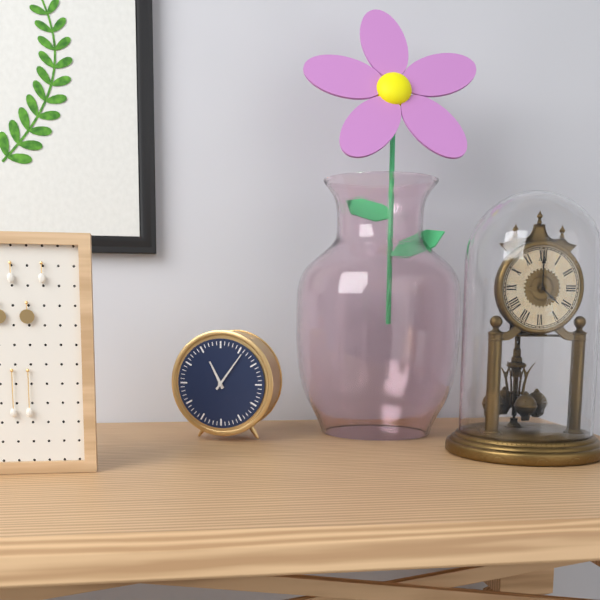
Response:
h=11 m=6
